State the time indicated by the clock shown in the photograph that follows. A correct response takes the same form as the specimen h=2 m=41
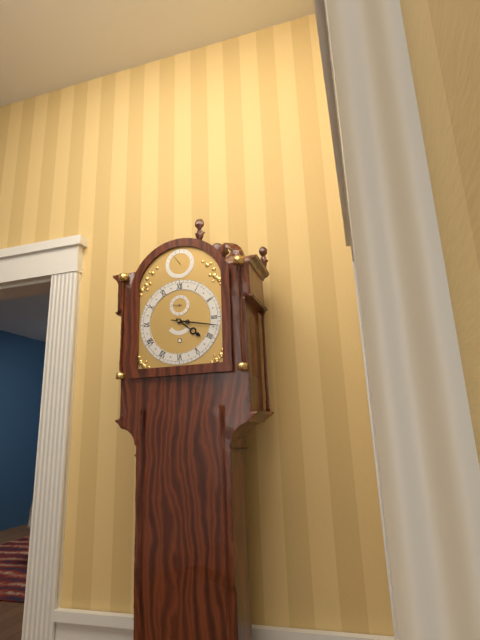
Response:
h=4 m=17
